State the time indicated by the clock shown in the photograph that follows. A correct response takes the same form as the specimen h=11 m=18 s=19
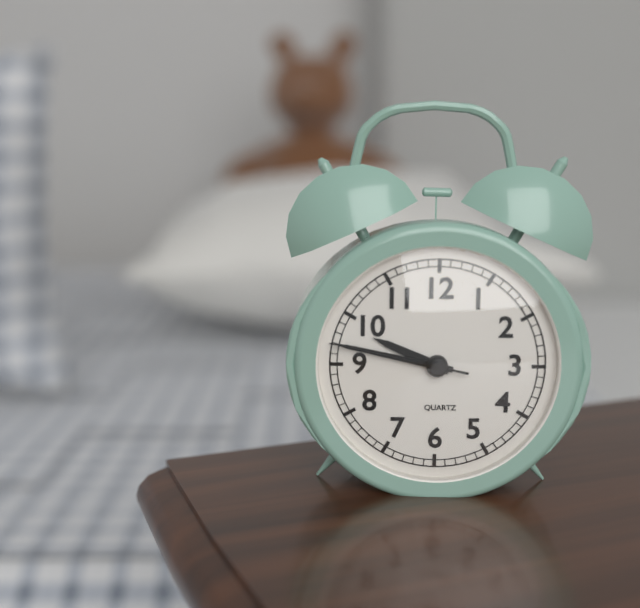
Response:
h=9 m=47 s=47
